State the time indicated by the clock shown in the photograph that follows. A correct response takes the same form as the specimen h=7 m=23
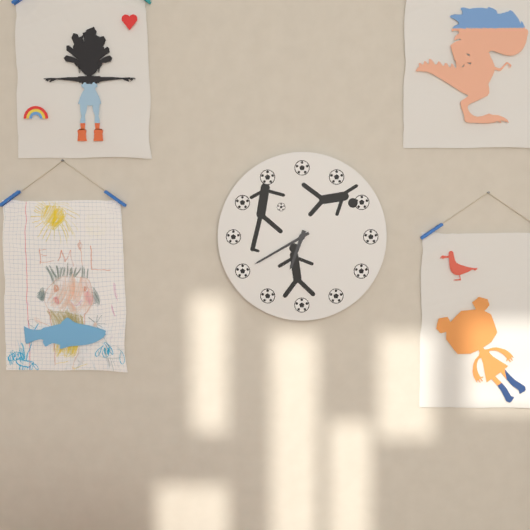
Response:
h=6 m=40
